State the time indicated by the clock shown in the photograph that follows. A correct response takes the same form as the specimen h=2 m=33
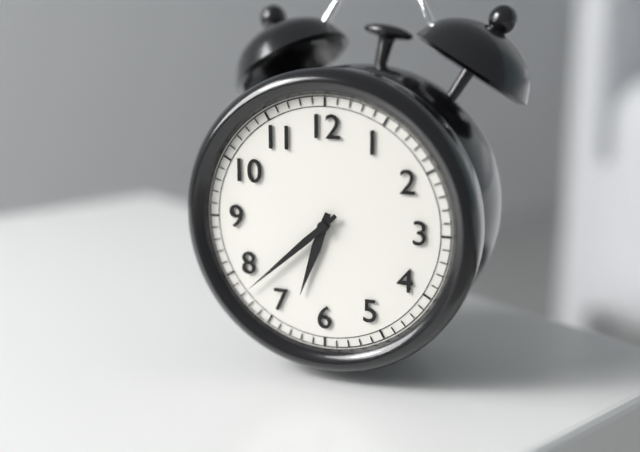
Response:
h=6 m=38
